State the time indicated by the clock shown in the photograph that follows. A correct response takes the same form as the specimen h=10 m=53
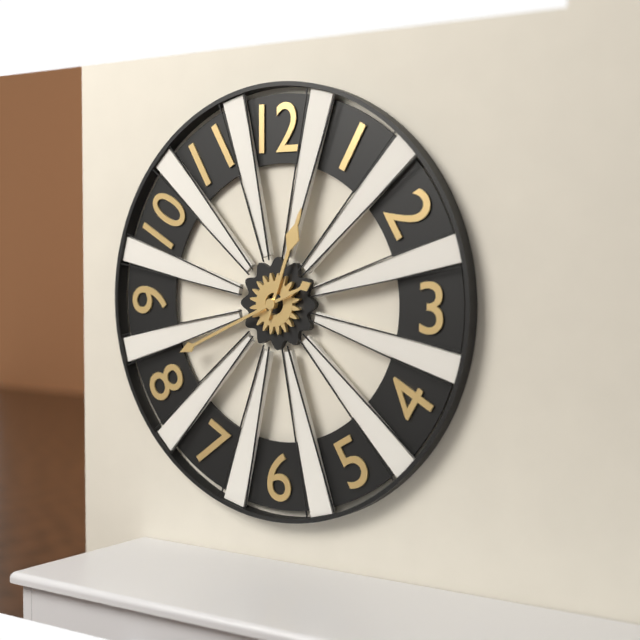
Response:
h=12 m=41
